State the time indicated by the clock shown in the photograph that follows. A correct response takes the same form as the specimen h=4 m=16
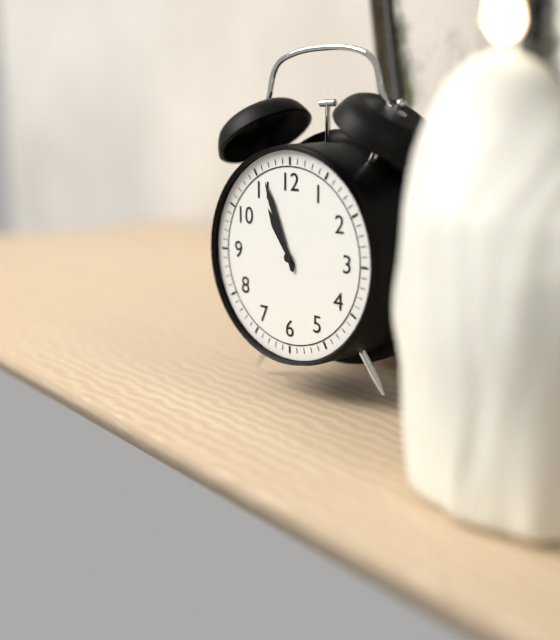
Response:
h=10 m=56
